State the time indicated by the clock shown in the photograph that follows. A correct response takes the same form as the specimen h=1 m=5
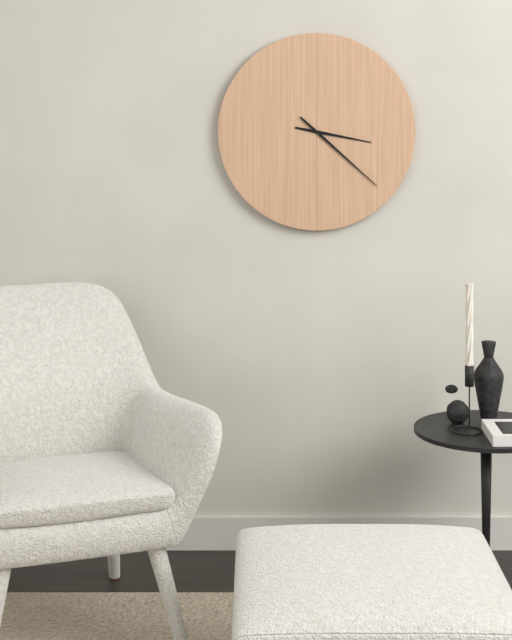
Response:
h=3 m=22
